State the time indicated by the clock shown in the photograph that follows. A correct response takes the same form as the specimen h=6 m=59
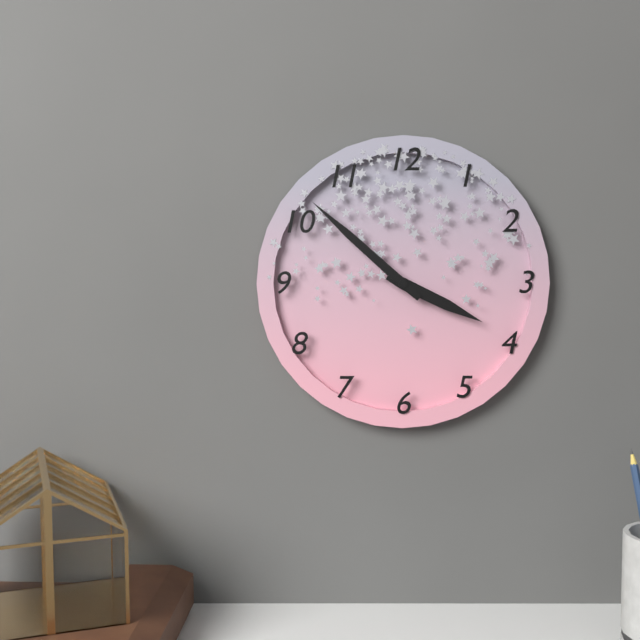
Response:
h=3 m=52
